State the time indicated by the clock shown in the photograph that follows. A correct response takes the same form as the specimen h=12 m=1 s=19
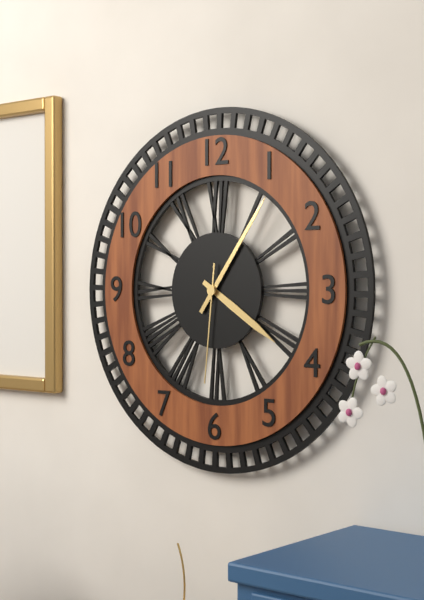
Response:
h=4 m=6 s=31
